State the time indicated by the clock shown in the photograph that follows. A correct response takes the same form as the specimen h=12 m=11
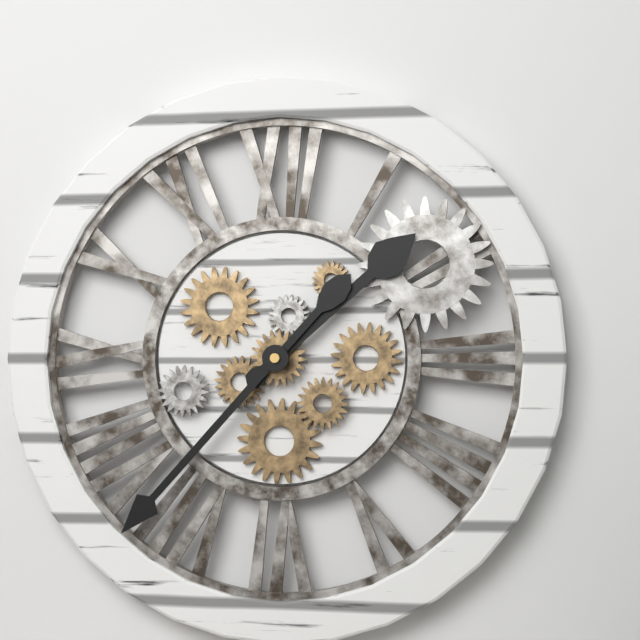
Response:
h=1 m=37
